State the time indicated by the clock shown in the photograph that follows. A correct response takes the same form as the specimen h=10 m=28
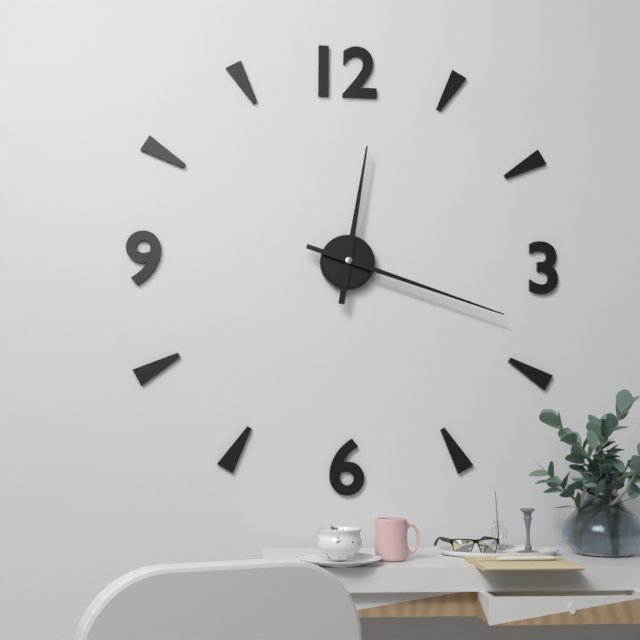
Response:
h=12 m=18
